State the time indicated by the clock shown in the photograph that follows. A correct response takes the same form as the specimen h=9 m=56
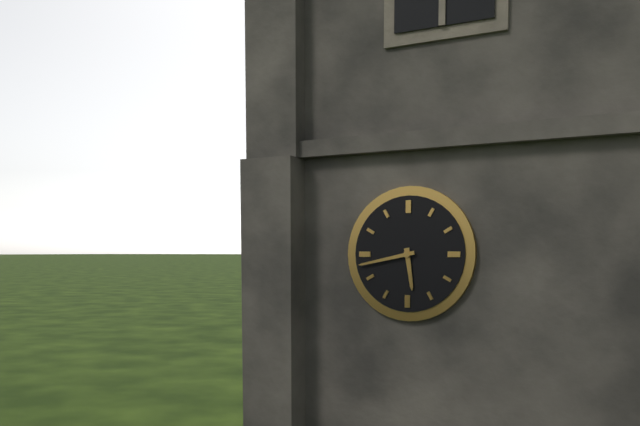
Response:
h=5 m=43
